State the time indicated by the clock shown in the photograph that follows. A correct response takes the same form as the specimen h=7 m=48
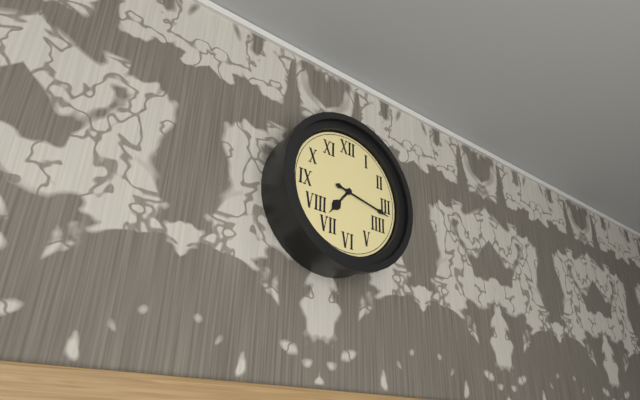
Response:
h=7 m=17
